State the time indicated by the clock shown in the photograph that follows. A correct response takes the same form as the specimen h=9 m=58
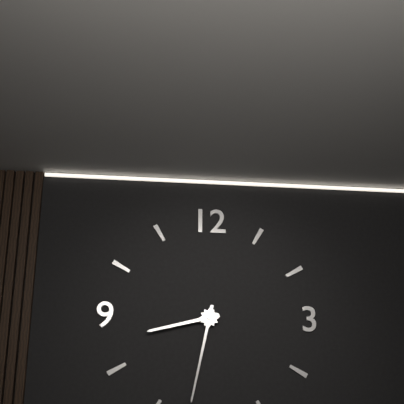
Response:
h=8 m=32
